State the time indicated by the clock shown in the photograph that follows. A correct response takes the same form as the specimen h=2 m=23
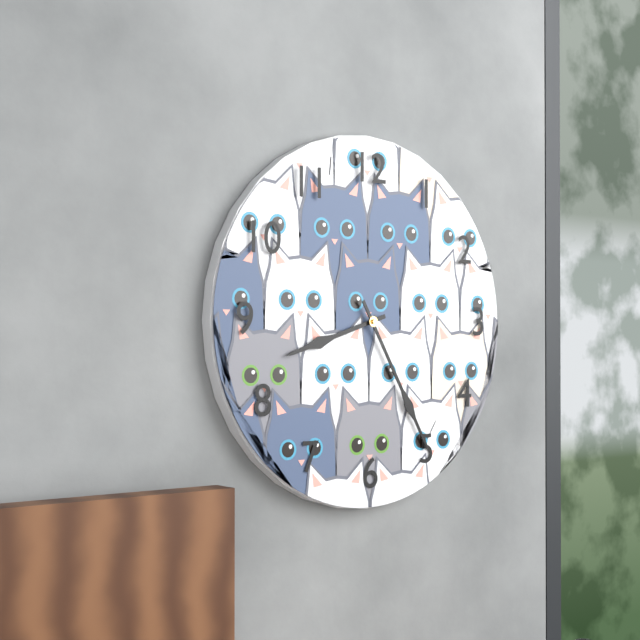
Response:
h=8 m=25
